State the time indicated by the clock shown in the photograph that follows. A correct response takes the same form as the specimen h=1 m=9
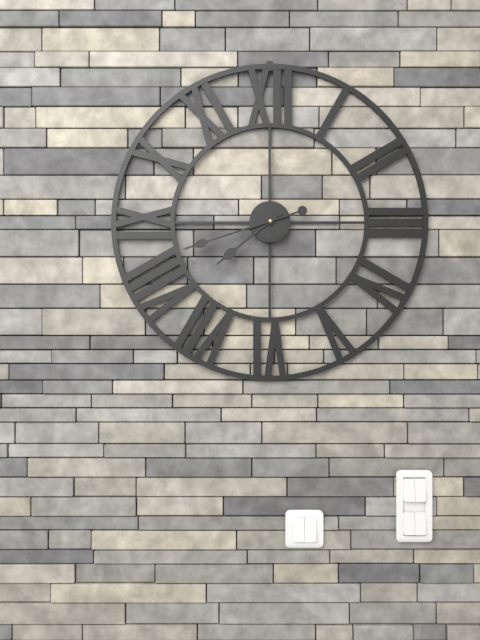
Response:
h=7 m=42
